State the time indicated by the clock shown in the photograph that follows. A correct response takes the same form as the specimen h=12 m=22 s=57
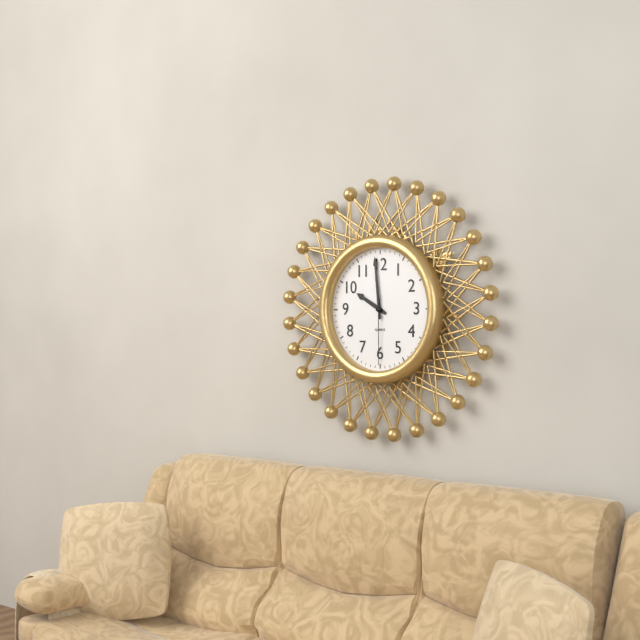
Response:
h=9 m=59 s=30
